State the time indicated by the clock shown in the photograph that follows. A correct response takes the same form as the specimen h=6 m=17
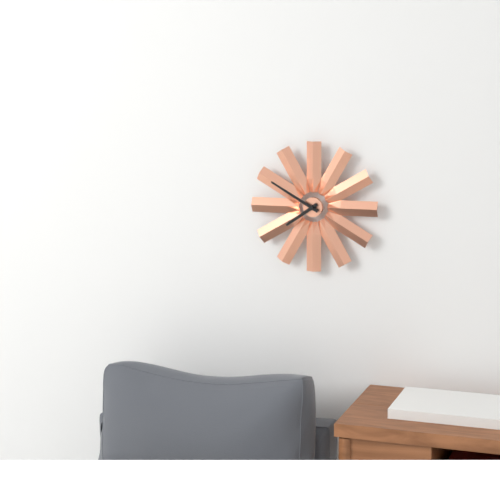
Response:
h=7 m=50
